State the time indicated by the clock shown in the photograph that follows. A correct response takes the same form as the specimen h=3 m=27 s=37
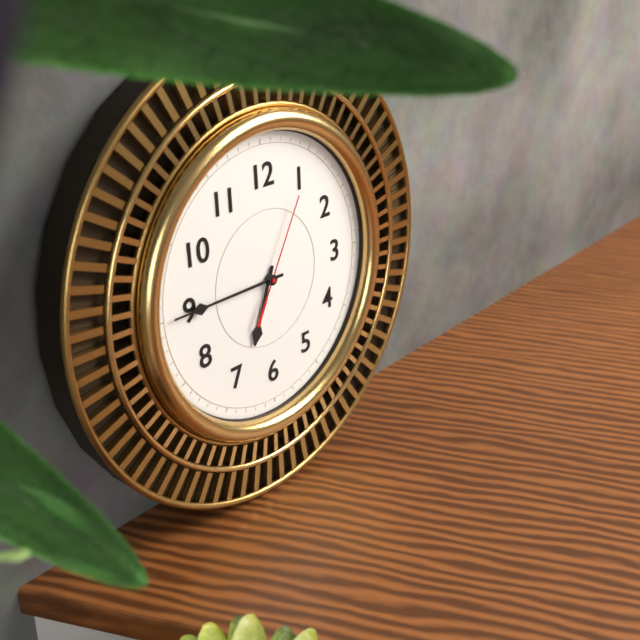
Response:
h=6 m=45 s=5
